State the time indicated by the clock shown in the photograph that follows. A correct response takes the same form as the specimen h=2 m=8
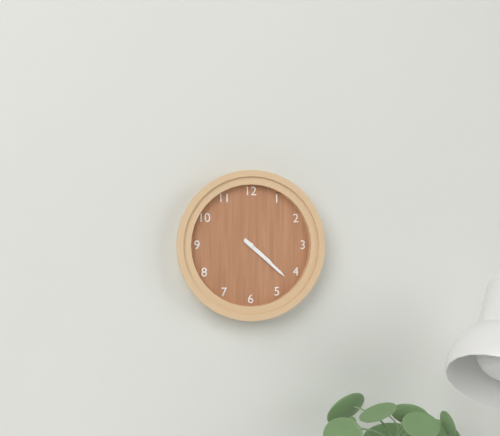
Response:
h=4 m=22
